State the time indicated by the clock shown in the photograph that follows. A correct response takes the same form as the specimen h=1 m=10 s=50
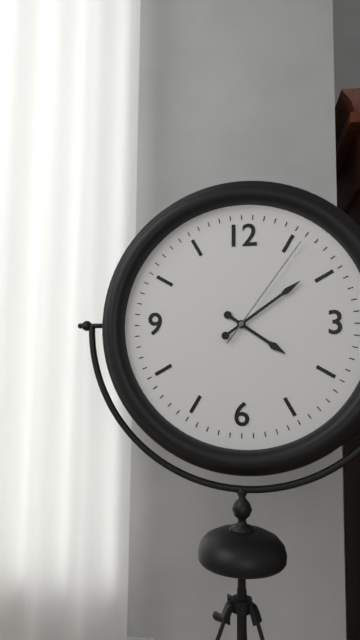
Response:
h=4 m=9 s=6
